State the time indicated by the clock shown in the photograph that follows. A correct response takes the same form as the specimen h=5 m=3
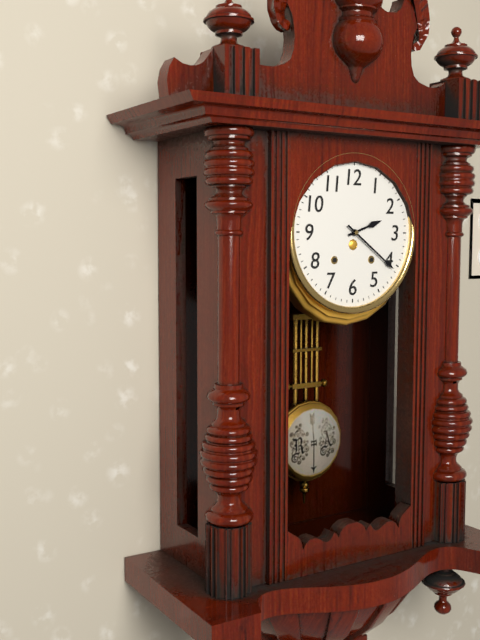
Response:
h=2 m=21
